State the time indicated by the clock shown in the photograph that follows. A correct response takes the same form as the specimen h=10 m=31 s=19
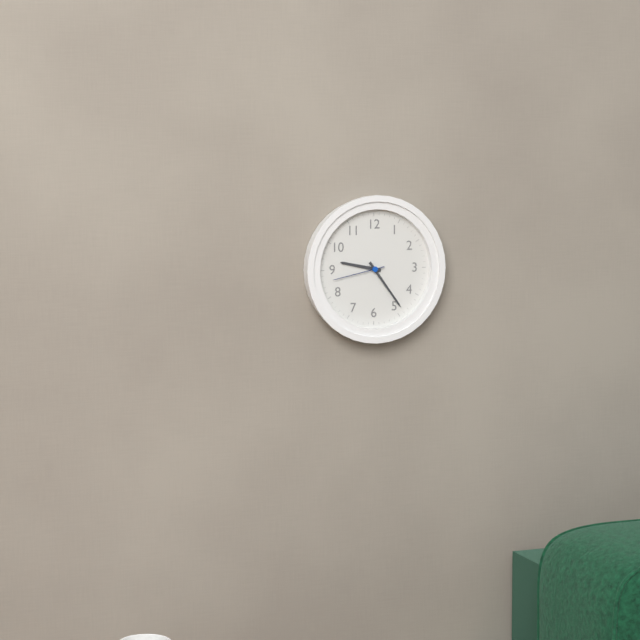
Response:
h=9 m=24 s=43
